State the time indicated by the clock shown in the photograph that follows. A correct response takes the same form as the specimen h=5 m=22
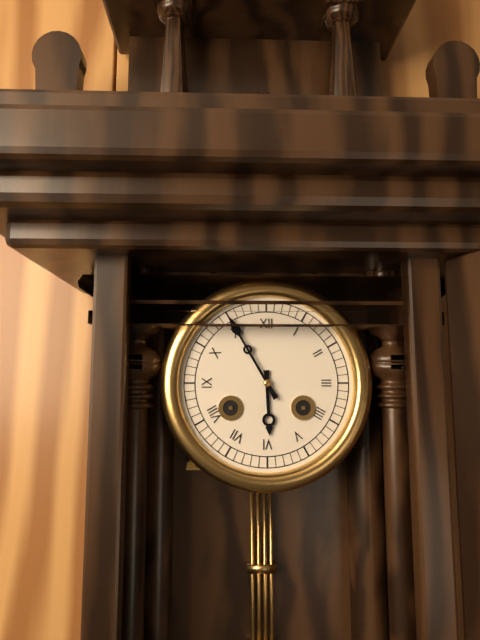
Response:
h=5 m=55
